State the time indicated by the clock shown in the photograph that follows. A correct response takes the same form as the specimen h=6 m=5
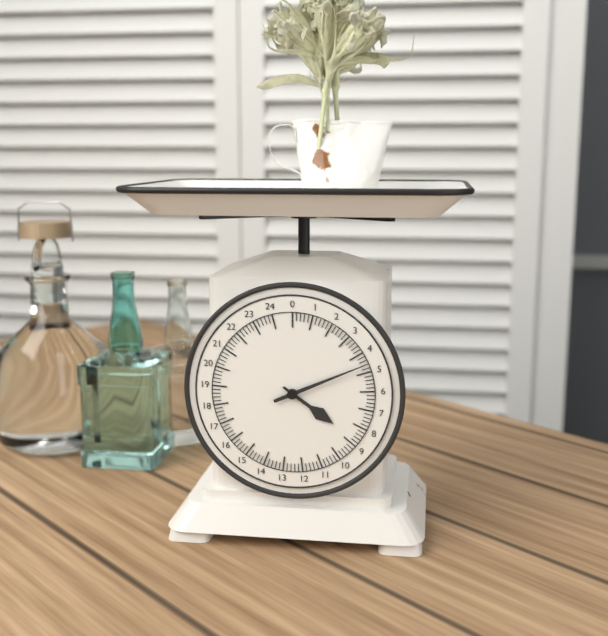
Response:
h=4 m=11
